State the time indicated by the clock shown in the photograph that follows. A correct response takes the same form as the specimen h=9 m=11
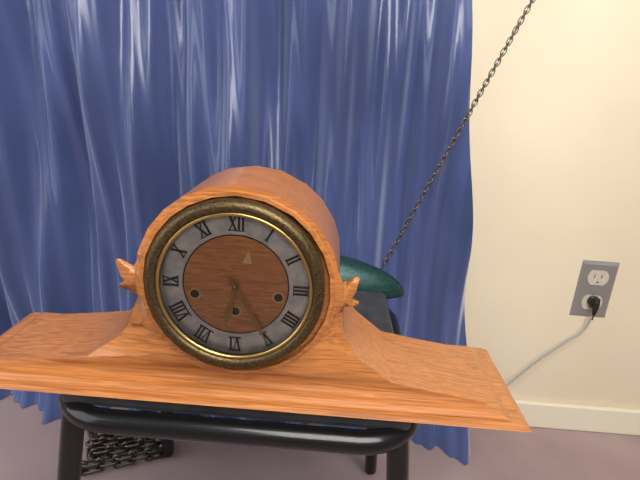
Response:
h=6 m=25
